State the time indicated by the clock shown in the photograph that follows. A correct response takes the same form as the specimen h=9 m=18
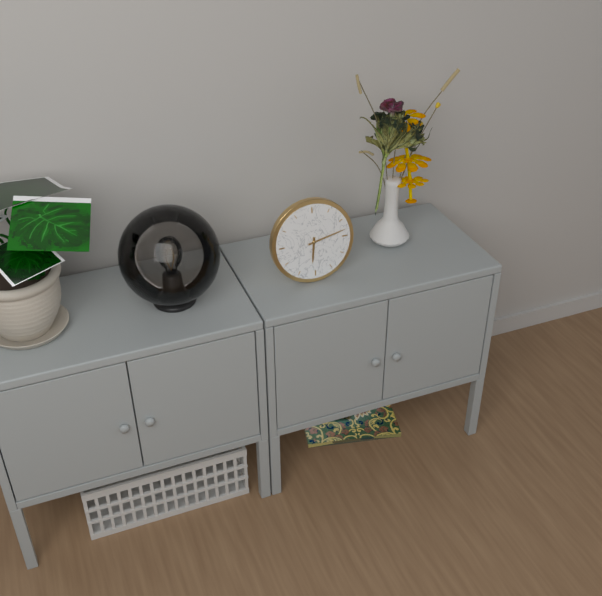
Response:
h=6 m=13
